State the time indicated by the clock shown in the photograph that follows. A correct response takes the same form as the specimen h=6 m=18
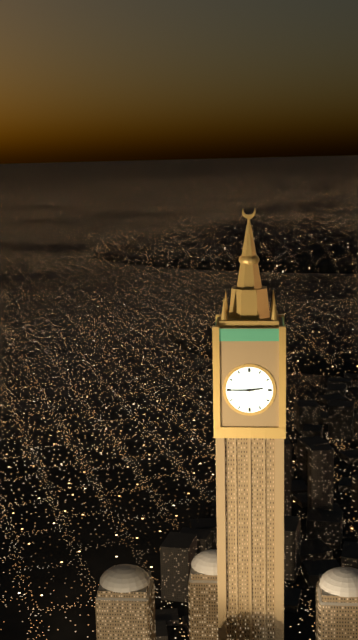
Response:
h=2 m=45
